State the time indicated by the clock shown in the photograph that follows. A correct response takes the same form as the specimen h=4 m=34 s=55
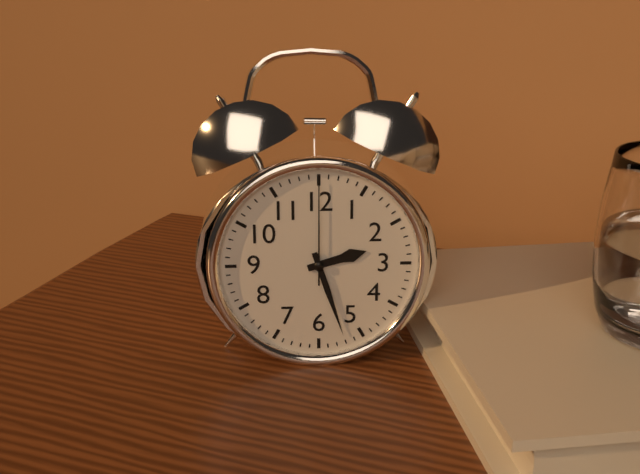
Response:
h=2 m=27 s=0
